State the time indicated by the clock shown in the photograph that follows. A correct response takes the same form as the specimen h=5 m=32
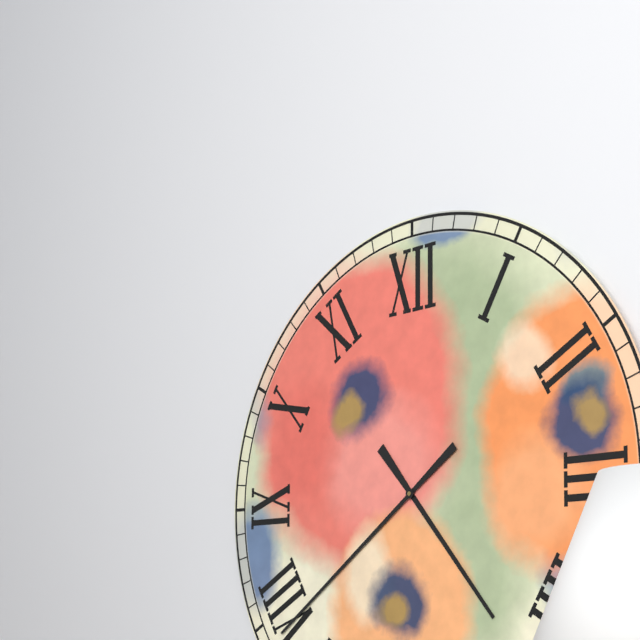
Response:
h=4 m=39
